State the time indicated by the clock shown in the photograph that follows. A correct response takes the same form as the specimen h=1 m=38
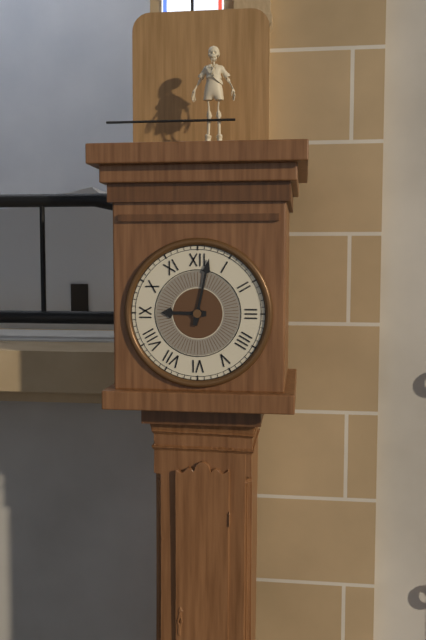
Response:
h=9 m=2
